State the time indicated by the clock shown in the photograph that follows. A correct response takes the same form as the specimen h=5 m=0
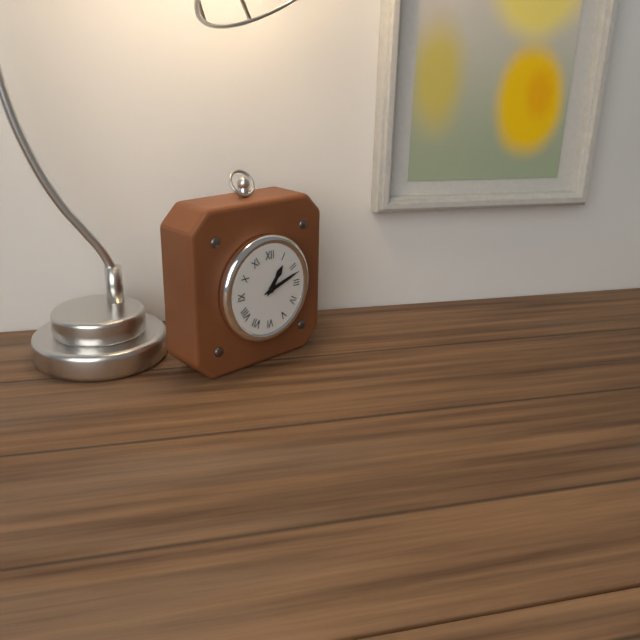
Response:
h=1 m=12
